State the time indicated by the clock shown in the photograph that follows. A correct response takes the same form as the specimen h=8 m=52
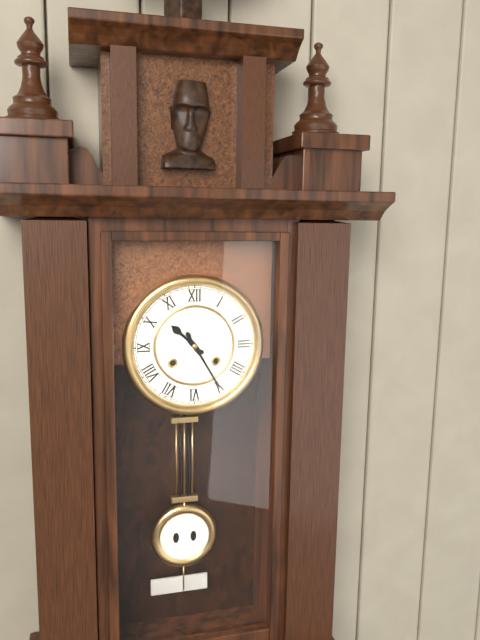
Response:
h=10 m=25
